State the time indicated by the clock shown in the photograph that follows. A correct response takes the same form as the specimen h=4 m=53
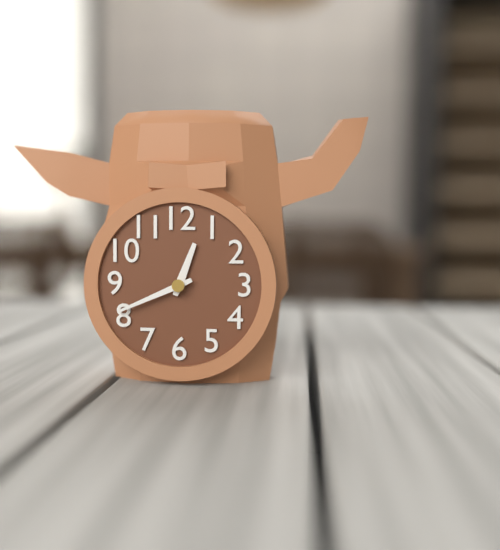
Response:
h=12 m=41
